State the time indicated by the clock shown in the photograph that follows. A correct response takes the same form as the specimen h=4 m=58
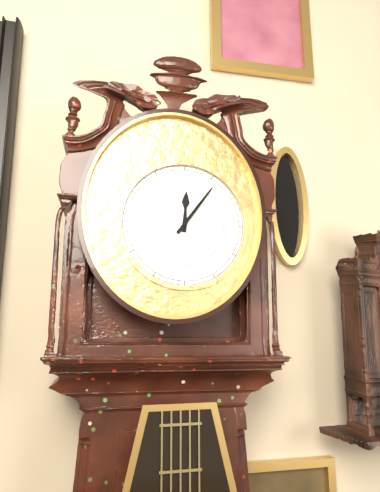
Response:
h=12 m=6
